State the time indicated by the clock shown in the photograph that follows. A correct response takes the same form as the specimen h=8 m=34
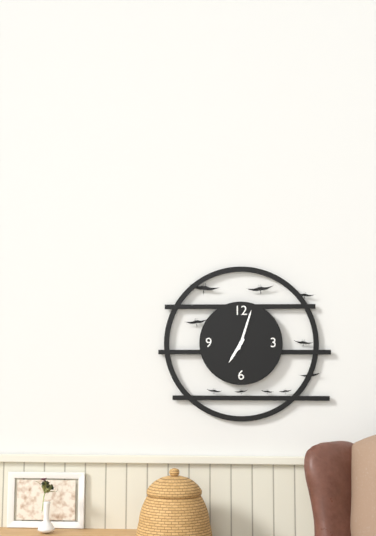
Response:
h=7 m=3
